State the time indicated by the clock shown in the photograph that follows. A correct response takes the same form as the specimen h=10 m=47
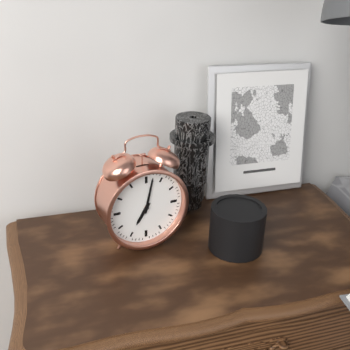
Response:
h=7 m=2
